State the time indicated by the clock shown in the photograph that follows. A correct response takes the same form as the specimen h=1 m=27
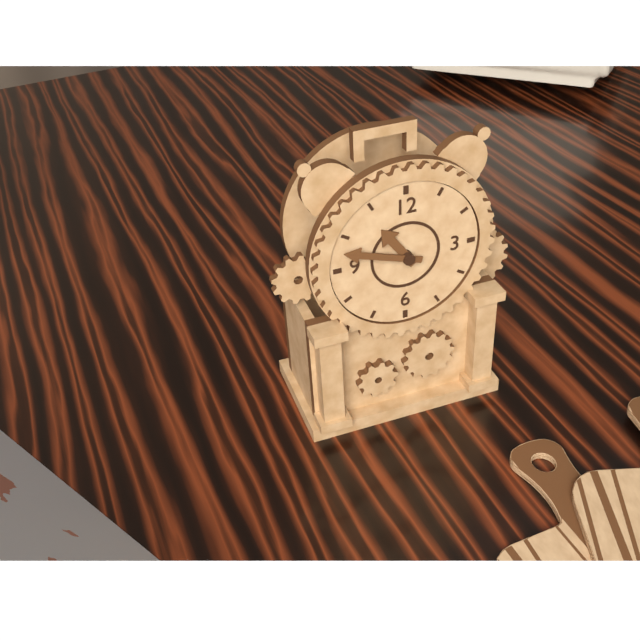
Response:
h=10 m=48
